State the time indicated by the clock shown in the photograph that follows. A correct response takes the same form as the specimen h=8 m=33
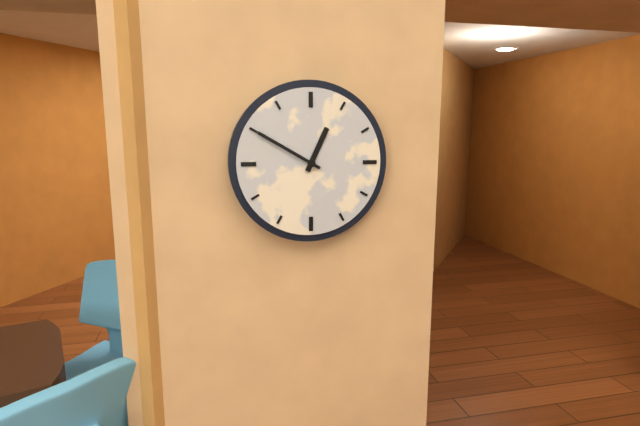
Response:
h=12 m=50
